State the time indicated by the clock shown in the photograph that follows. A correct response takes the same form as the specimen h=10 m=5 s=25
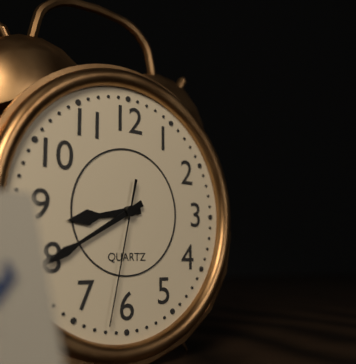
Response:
h=8 m=40 s=32
